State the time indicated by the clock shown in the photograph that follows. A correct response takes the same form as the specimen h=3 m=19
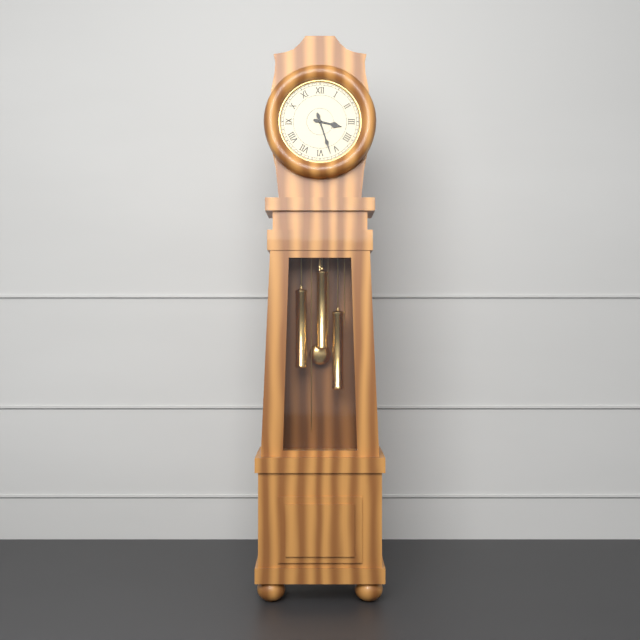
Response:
h=3 m=27
